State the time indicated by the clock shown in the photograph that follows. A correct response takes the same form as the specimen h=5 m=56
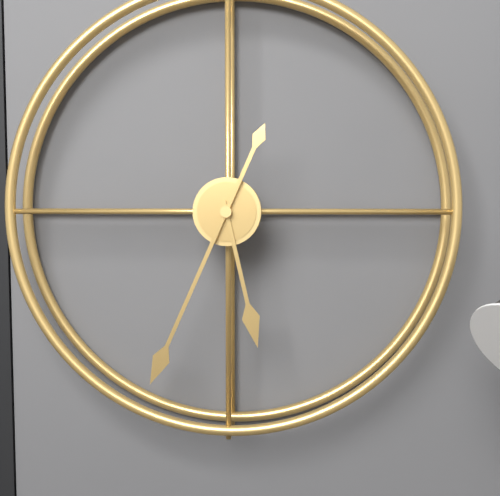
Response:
h=5 m=34
